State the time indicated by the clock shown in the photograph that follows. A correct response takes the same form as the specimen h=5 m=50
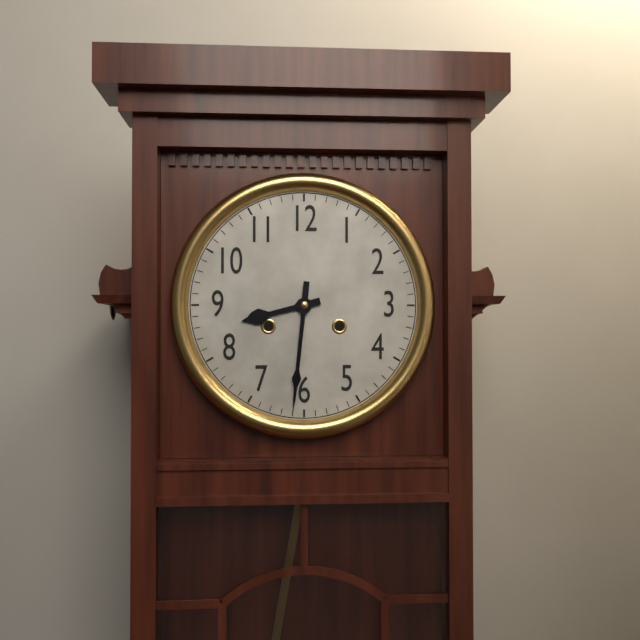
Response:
h=8 m=31
